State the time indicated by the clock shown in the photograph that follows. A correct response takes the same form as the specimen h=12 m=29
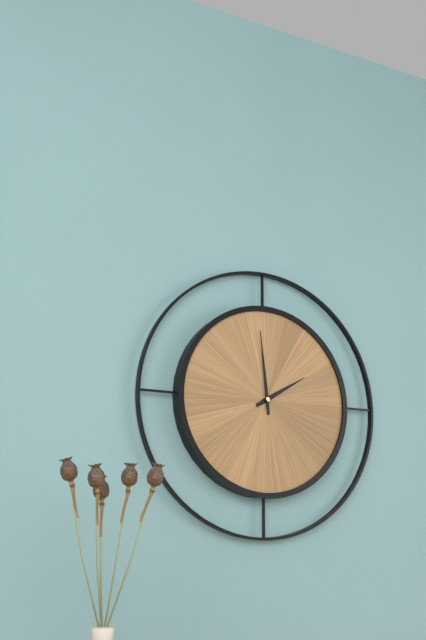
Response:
h=1 m=59
